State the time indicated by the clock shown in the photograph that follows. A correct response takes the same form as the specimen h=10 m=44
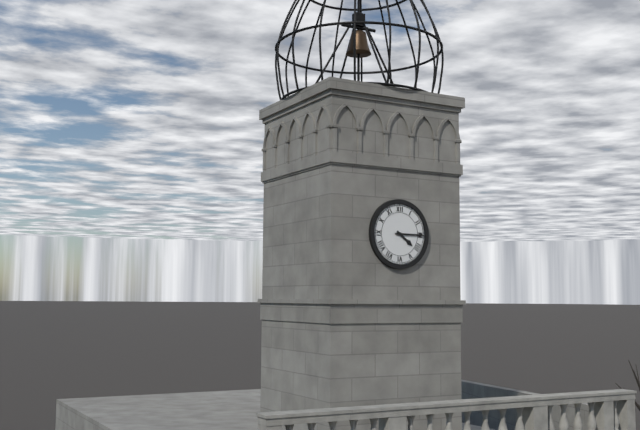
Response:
h=4 m=15
